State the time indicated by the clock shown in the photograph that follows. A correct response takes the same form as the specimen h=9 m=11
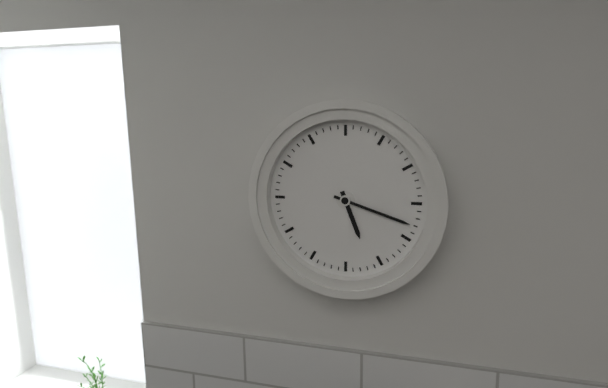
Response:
h=5 m=18
